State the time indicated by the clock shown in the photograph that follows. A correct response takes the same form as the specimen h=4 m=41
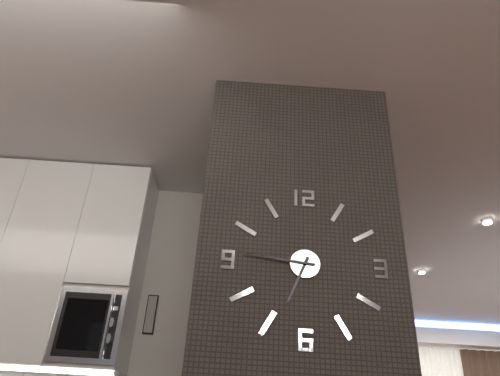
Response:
h=6 m=46
